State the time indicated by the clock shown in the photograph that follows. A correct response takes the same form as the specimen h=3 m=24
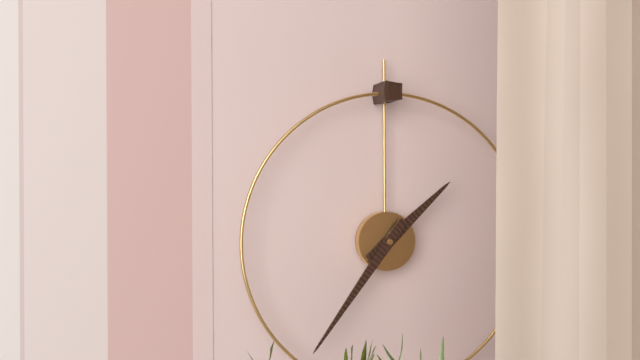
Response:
h=1 m=36
